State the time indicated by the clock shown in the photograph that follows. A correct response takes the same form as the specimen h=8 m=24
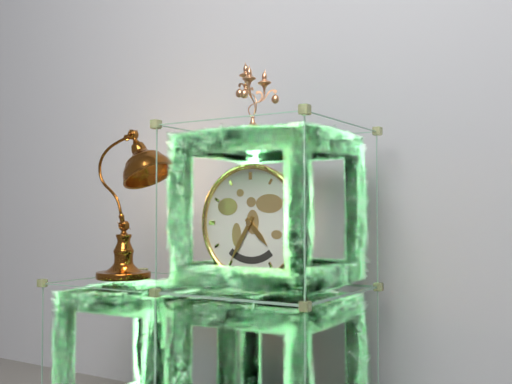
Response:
h=4 m=35
